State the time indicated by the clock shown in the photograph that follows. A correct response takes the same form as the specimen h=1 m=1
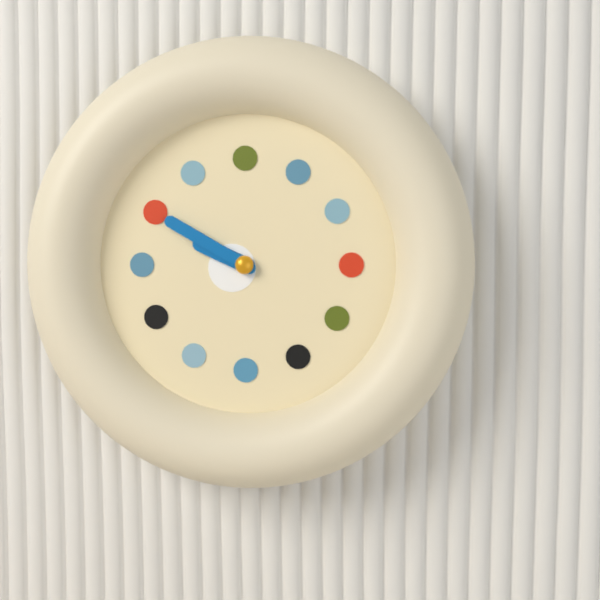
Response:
h=9 m=50
